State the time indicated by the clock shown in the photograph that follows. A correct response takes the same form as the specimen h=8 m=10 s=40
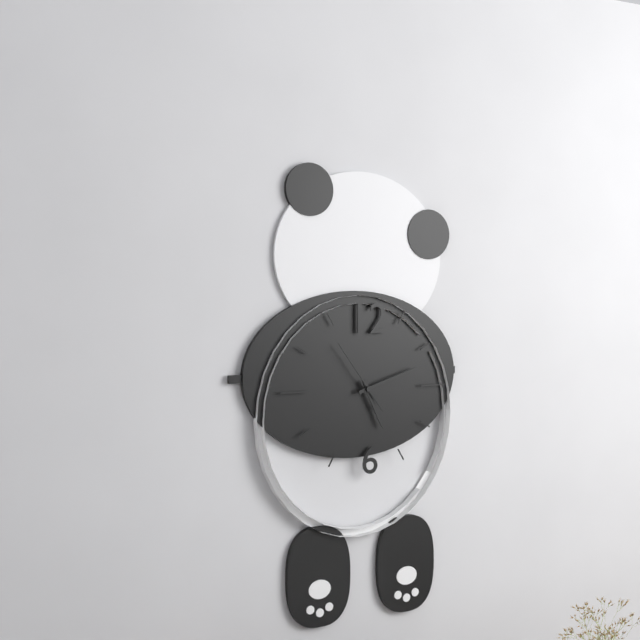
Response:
h=5 m=12 s=54
